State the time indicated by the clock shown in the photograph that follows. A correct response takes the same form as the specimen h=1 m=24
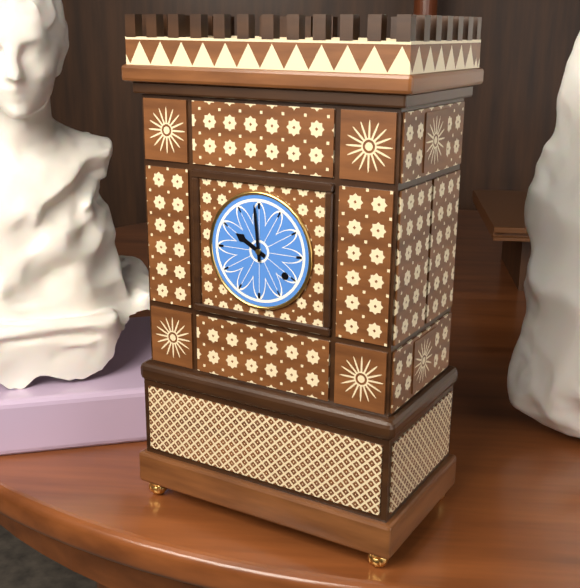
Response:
h=9 m=59
